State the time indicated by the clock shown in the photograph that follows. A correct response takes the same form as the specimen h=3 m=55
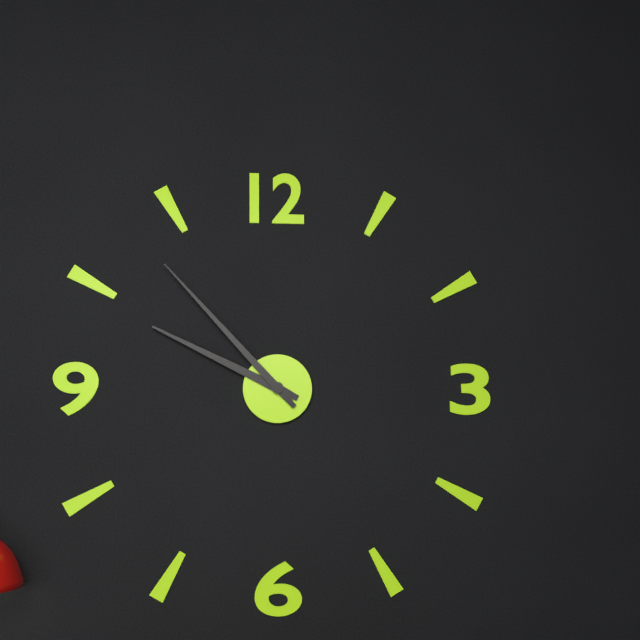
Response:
h=9 m=53
